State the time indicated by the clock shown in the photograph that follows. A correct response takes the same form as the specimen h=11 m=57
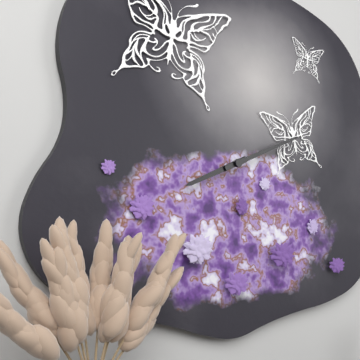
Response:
h=8 m=11
